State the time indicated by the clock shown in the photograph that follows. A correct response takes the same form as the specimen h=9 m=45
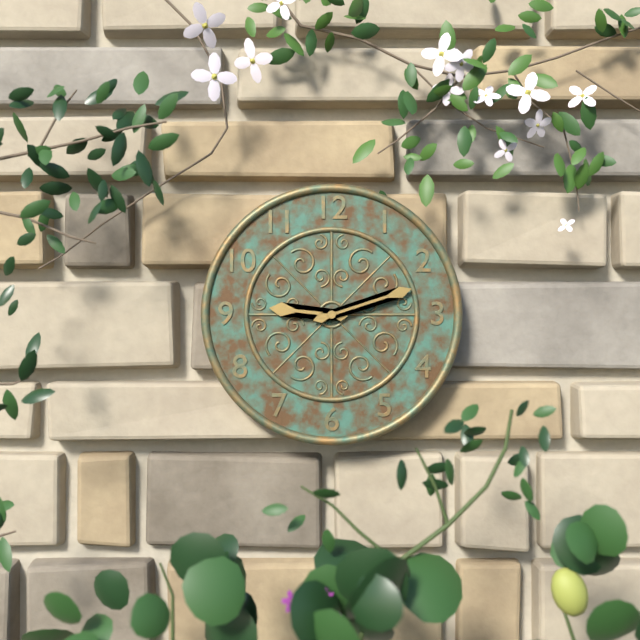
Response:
h=9 m=12
